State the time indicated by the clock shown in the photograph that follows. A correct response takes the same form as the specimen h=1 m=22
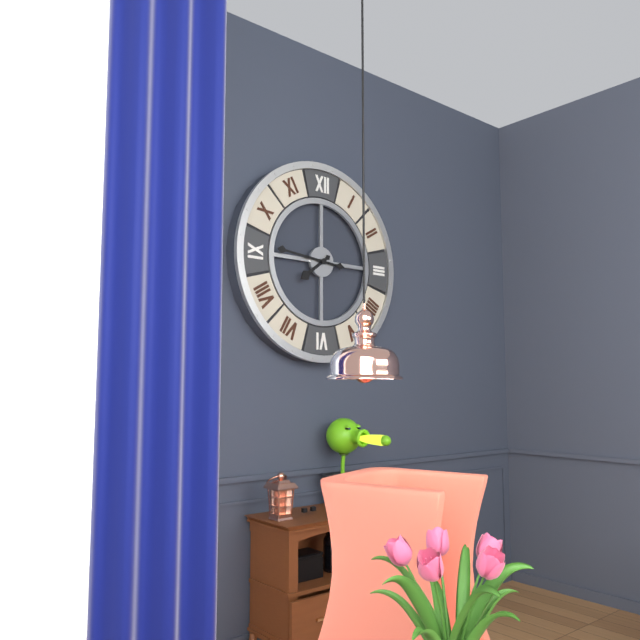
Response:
h=7 m=46
